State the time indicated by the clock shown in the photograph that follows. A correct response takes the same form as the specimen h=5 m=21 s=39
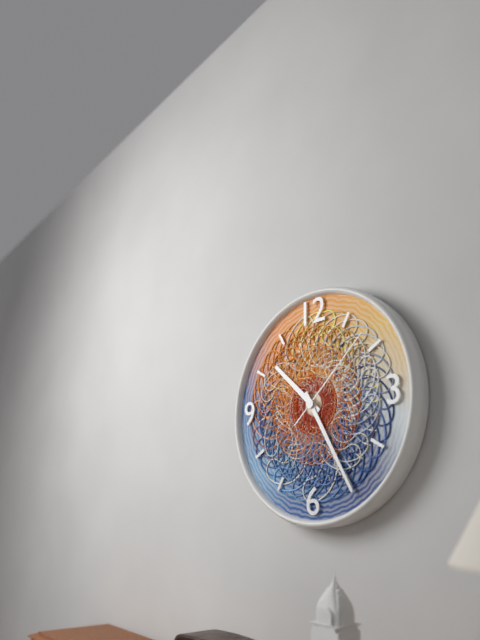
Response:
h=10 m=25 s=8
